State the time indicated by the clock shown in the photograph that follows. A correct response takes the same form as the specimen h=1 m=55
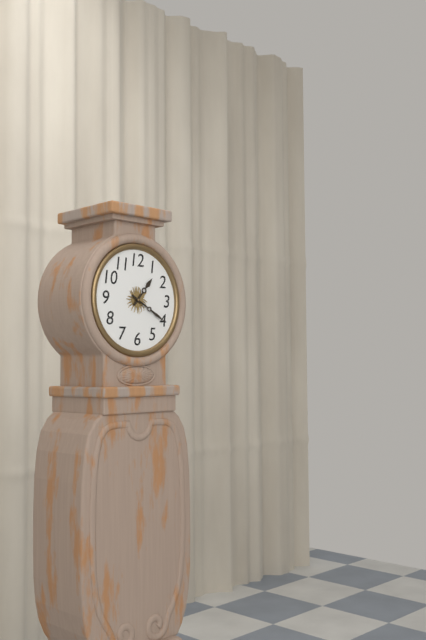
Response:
h=1 m=20
